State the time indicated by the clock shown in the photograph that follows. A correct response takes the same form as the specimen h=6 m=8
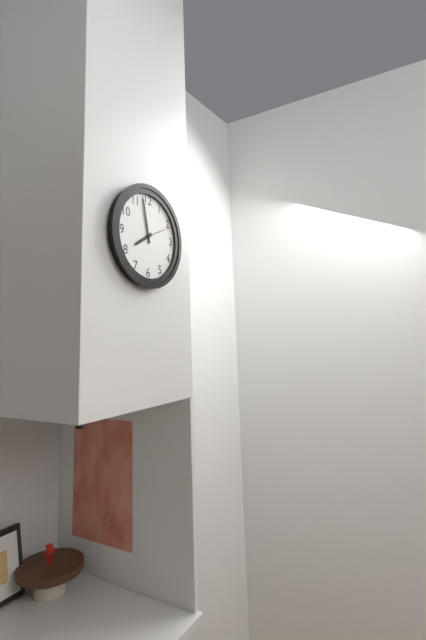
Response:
h=7 m=58
